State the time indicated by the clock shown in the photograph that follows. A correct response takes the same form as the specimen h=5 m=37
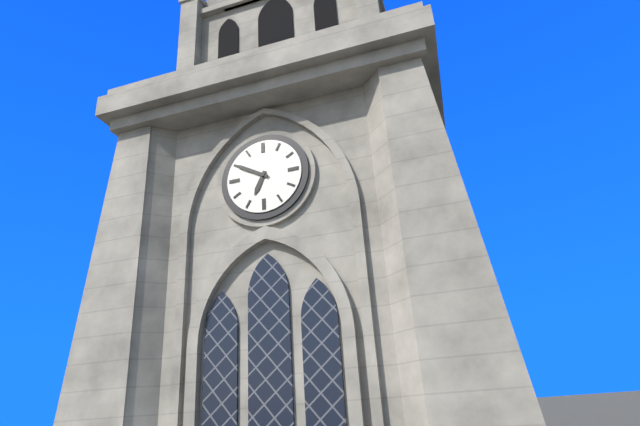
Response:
h=6 m=50
